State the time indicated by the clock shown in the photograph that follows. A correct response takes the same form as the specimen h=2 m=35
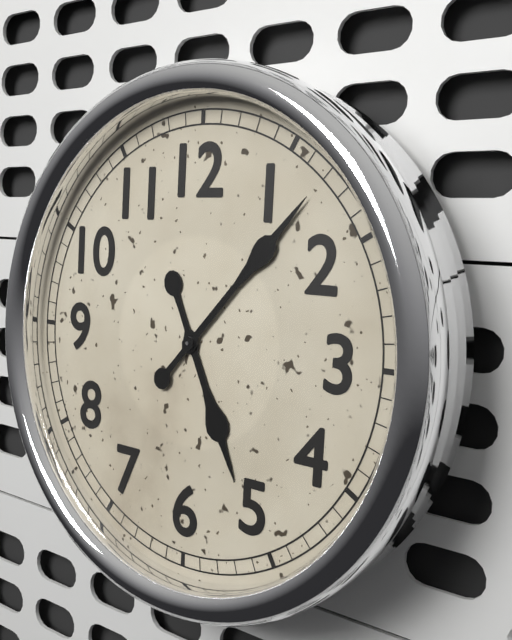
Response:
h=5 m=7
